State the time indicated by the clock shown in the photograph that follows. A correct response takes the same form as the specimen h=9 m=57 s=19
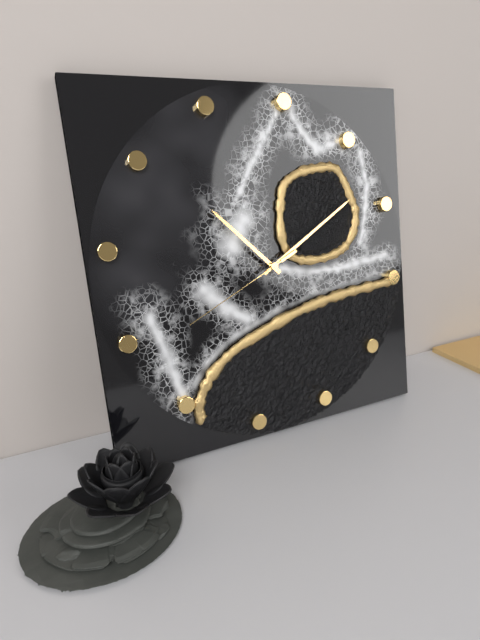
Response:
h=10 m=8 s=39
